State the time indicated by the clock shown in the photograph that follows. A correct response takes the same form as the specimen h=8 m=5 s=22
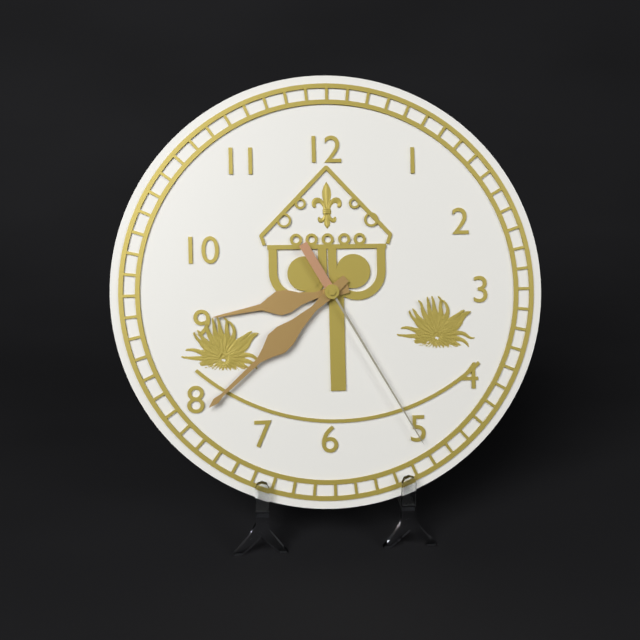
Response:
h=8 m=38 s=25
